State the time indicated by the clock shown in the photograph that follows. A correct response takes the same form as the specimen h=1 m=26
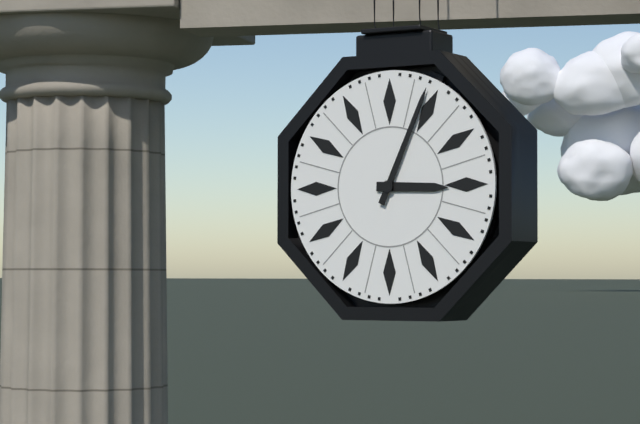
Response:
h=3 m=4
